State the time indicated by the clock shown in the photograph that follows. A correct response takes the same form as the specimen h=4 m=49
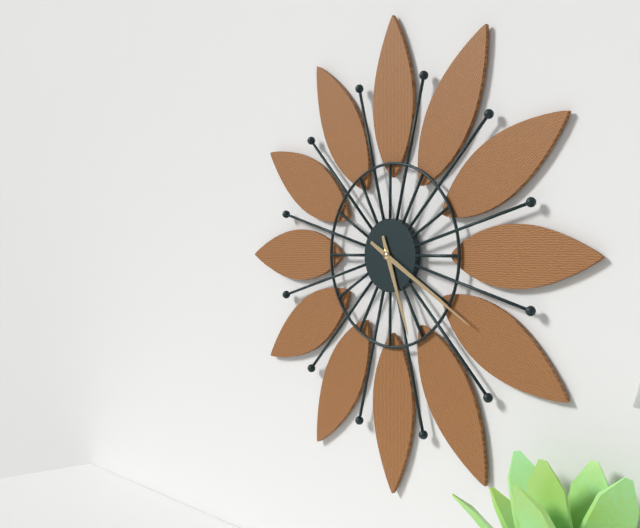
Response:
h=5 m=20
